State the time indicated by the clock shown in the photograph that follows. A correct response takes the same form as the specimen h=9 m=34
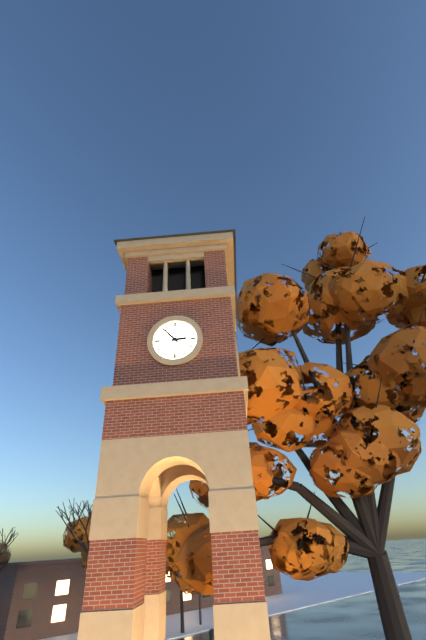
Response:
h=2 m=53
